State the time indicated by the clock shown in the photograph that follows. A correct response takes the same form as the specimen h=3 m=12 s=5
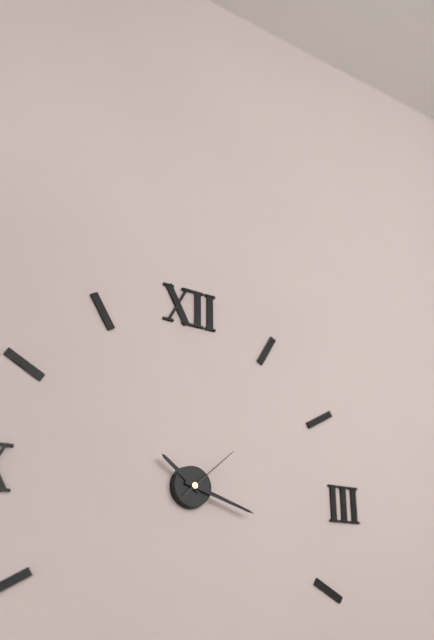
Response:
h=10 m=18 s=8
